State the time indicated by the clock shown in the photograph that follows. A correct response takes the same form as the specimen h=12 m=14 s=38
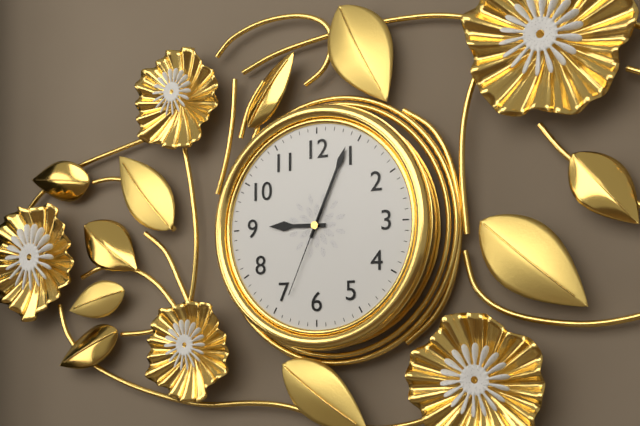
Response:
h=9 m=4 s=34
